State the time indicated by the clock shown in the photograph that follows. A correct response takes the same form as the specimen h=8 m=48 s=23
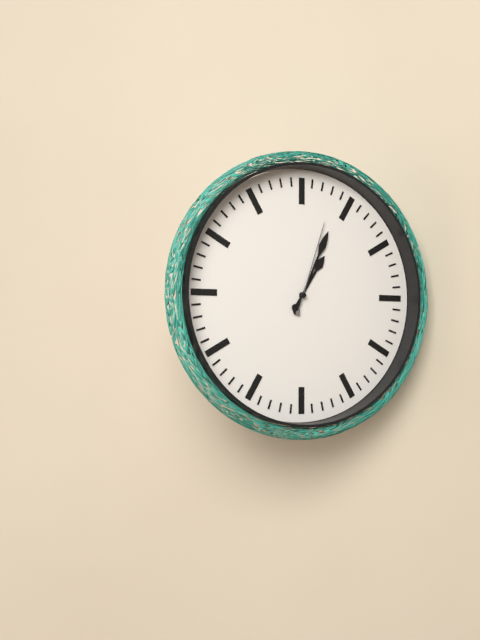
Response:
h=1 m=4 s=3
